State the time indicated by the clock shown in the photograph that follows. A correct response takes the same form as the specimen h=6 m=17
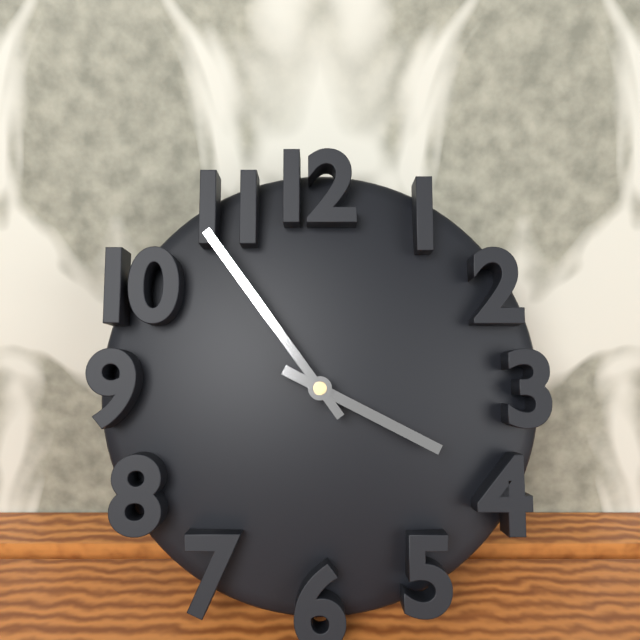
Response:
h=3 m=54
